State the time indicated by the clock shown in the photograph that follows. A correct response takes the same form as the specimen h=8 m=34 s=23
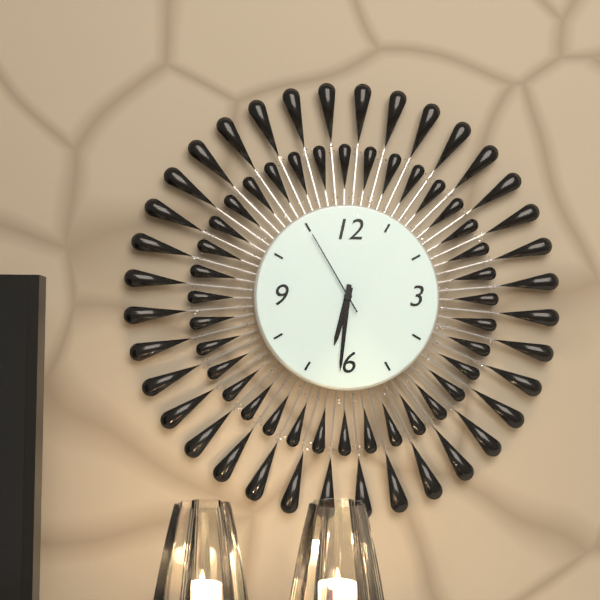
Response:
h=6 m=31 s=55
